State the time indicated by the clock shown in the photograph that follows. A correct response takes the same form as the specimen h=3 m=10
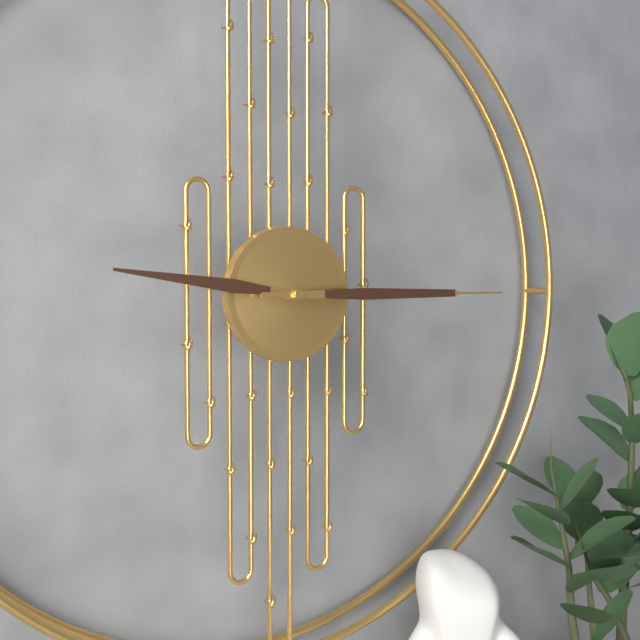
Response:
h=9 m=15
